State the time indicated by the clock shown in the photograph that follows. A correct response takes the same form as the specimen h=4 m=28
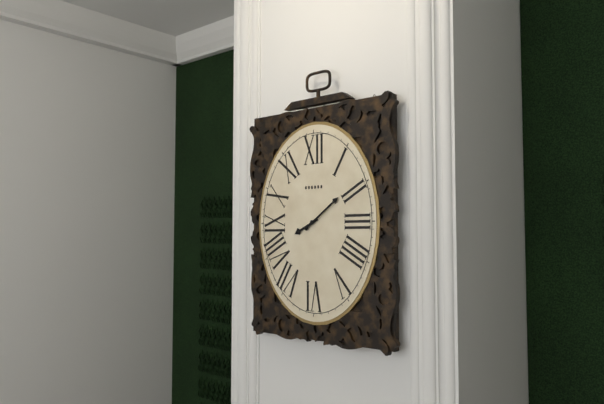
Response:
h=8 m=9
